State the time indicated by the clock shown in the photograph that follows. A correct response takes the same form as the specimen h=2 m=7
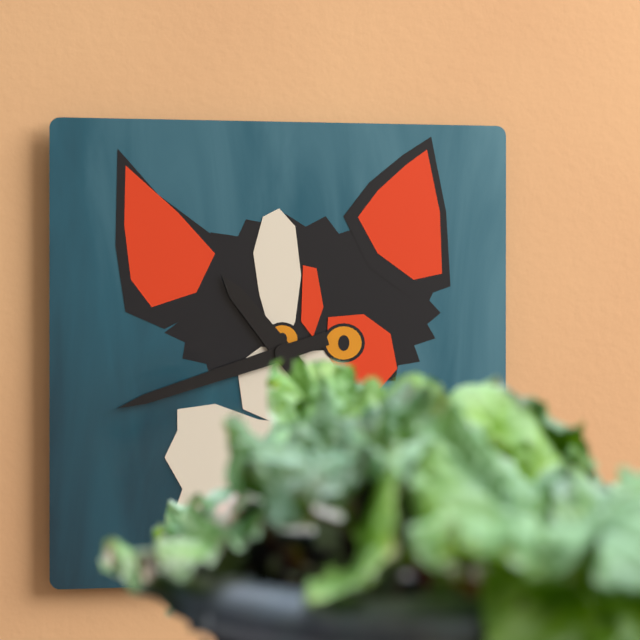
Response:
h=10 m=42
